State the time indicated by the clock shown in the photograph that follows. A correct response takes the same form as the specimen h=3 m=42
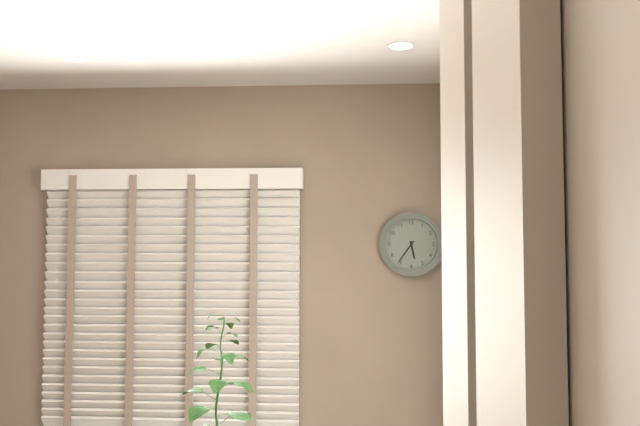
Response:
h=5 m=36
